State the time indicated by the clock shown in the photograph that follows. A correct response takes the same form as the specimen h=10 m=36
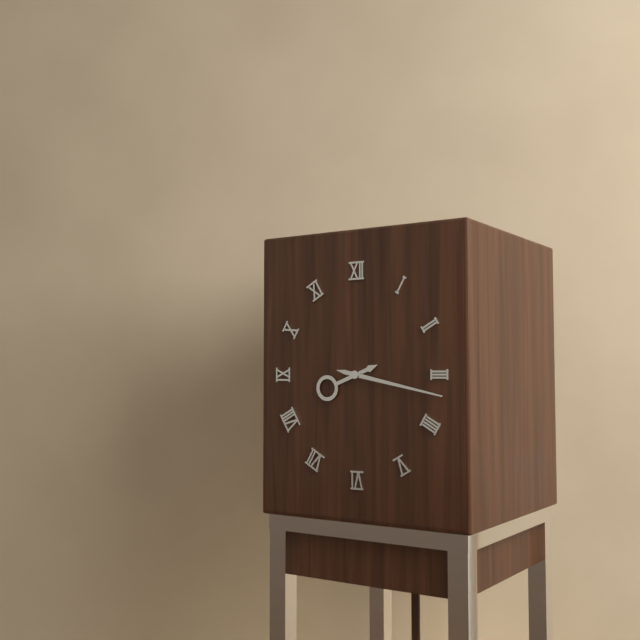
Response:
h=8 m=17
